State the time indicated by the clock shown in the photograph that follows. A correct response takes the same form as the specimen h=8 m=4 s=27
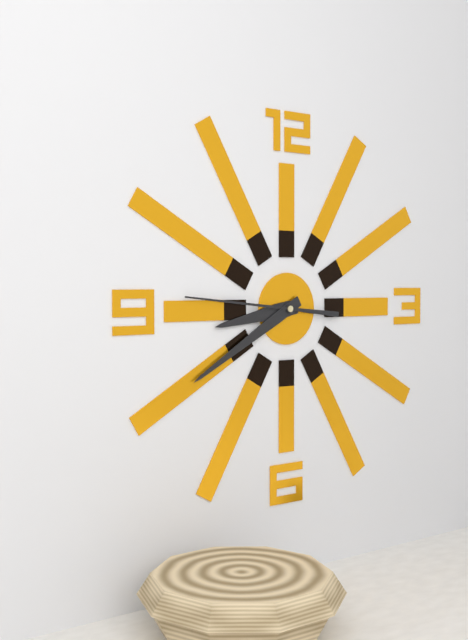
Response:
h=8 m=40 s=46
